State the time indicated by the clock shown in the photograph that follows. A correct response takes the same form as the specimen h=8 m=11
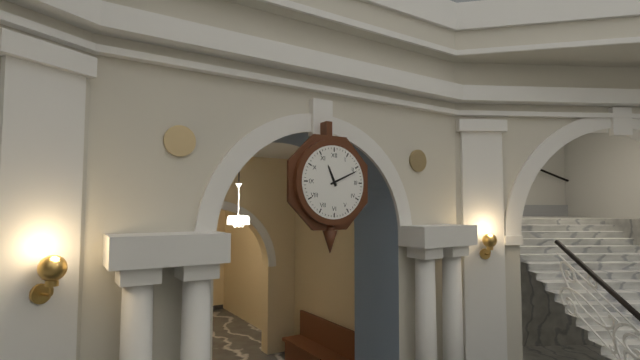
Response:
h=11 m=11
